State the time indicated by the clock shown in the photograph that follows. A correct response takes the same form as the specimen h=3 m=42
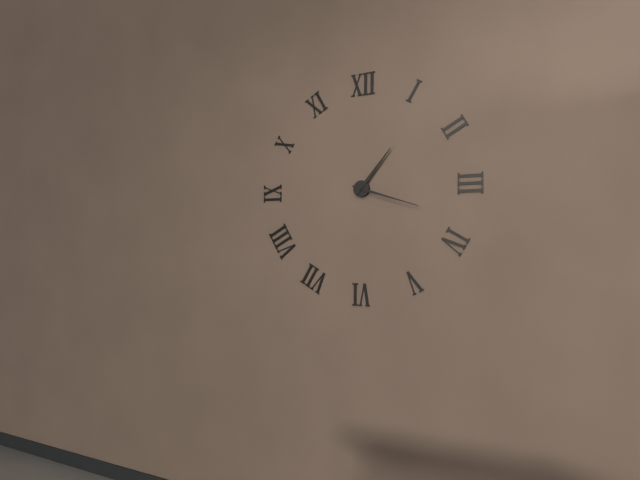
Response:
h=1 m=18
